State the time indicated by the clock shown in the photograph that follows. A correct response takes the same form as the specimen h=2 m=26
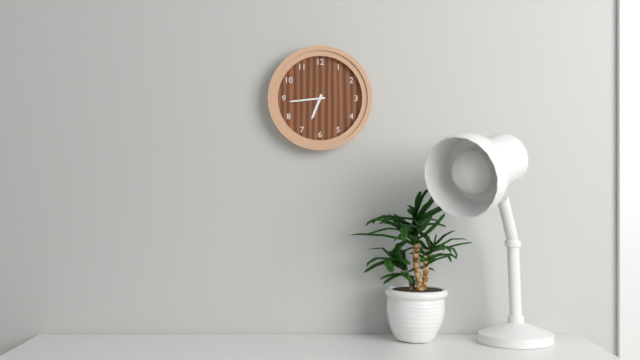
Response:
h=6 m=44
